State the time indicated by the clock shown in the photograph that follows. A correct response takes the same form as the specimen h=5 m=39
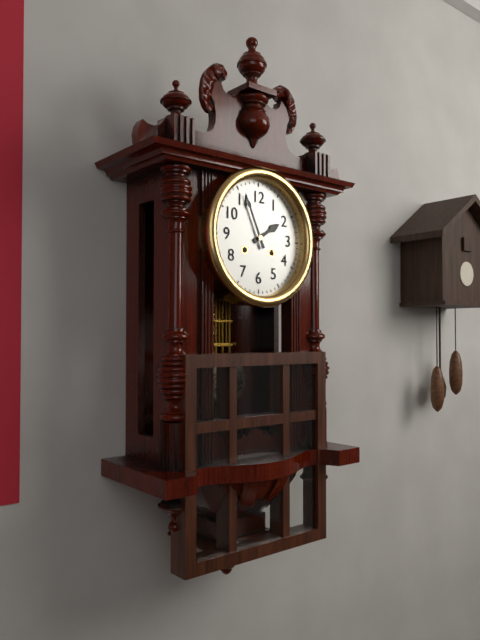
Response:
h=1 m=56
